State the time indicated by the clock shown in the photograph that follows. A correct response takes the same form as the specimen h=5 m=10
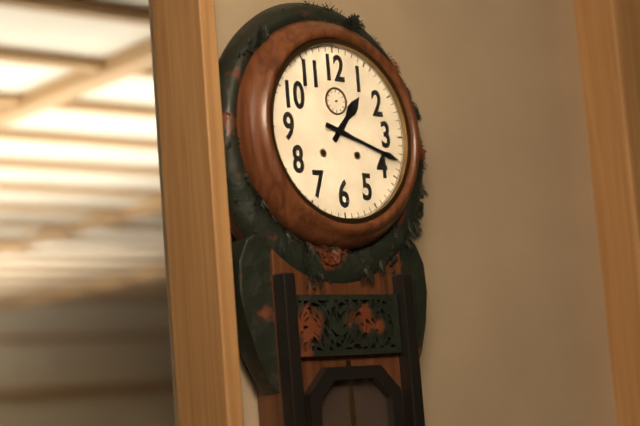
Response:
h=1 m=18
